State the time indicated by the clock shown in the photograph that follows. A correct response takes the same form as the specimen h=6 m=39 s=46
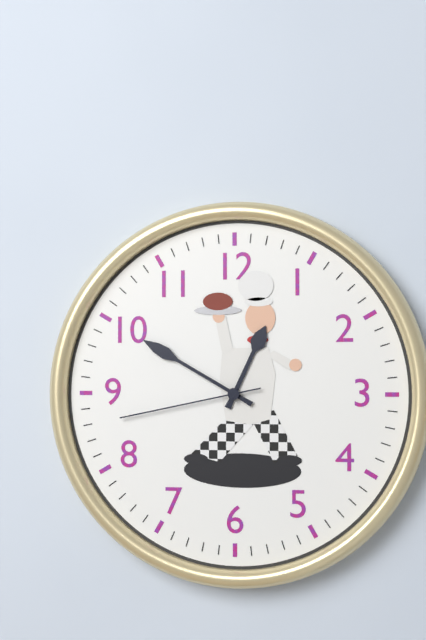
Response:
h=12 m=50 s=43
